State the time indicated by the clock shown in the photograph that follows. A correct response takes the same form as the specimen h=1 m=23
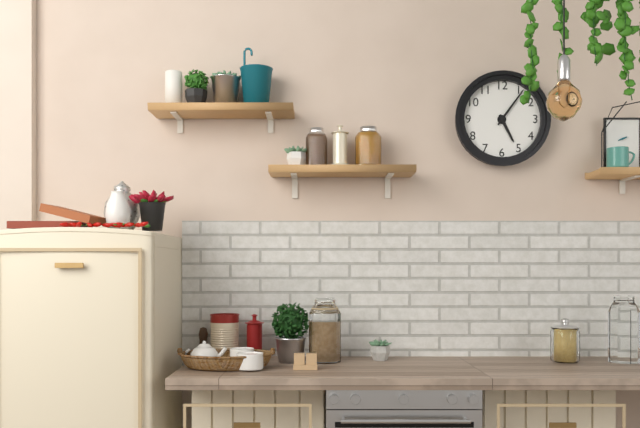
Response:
h=5 m=6
